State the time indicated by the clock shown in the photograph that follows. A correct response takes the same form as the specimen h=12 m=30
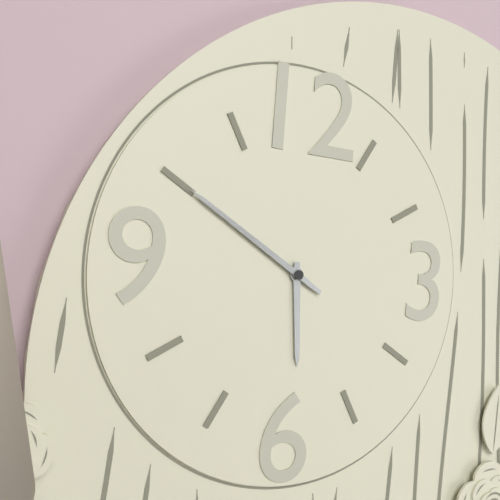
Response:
h=5 m=50
